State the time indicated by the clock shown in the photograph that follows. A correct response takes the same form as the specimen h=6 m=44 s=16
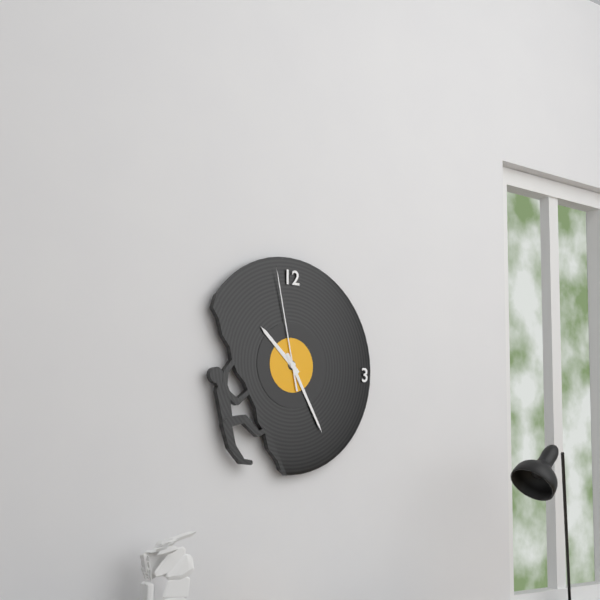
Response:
h=10 m=25 s=58
